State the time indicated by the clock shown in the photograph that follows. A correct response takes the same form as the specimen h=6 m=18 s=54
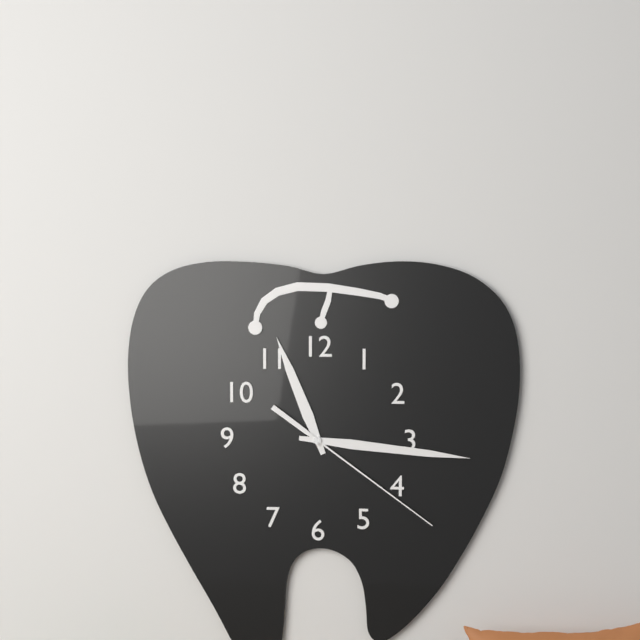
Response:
h=11 m=16 s=21
